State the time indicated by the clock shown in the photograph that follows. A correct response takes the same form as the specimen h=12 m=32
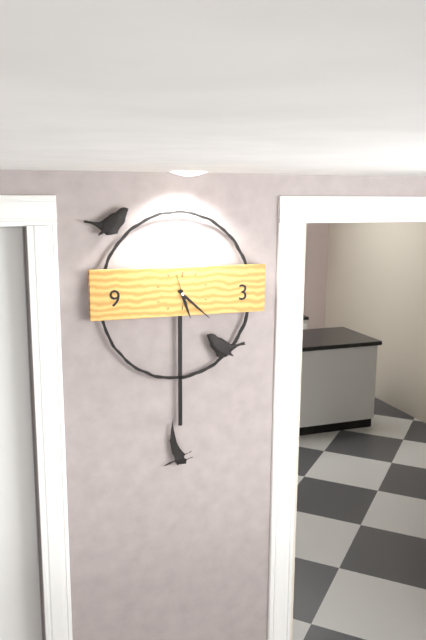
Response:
h=5 m=22
